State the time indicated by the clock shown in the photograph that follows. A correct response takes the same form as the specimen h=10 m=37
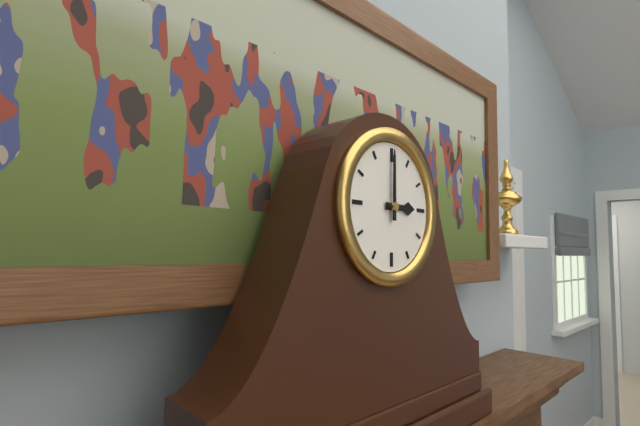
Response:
h=3 m=0
